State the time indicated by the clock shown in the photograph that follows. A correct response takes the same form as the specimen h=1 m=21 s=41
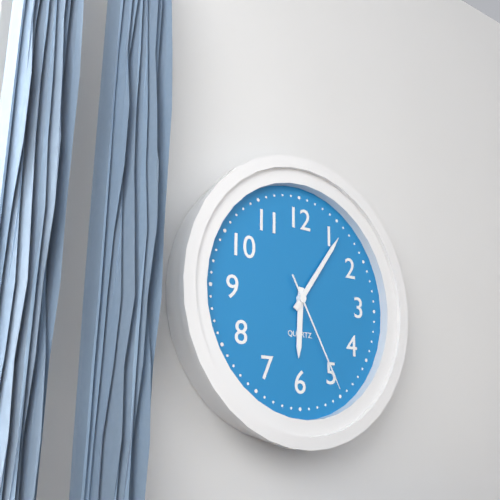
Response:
h=6 m=6 s=25
